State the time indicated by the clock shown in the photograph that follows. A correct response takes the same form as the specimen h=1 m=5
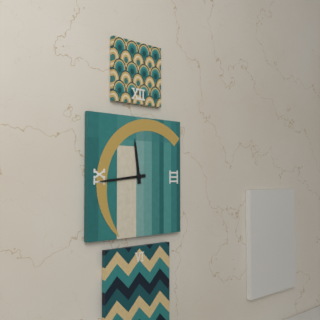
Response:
h=11 m=44
